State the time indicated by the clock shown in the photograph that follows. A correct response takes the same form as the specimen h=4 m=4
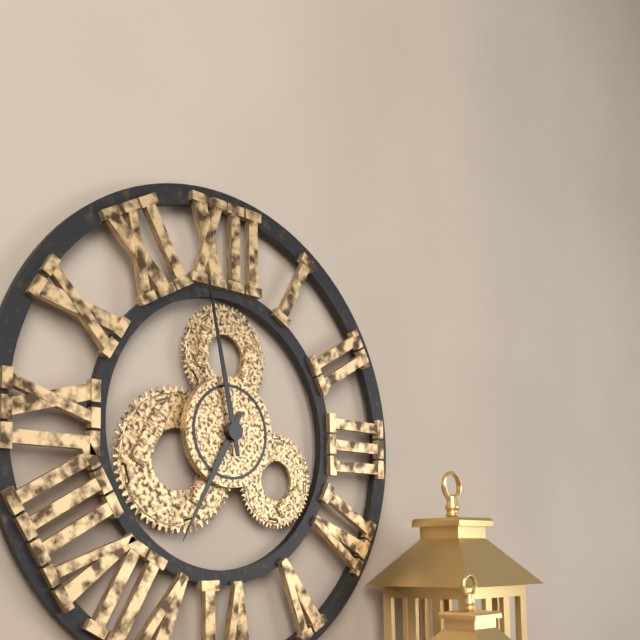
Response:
h=6 m=58
